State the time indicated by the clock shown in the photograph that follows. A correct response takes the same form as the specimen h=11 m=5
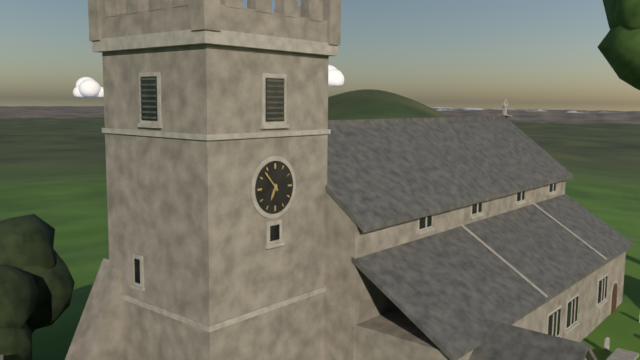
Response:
h=6 m=53
